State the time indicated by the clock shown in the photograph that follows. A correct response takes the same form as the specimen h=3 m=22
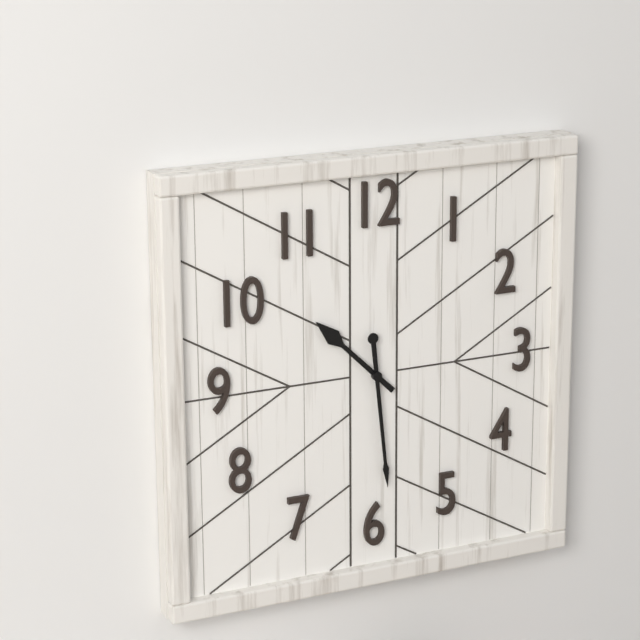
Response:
h=10 m=29
